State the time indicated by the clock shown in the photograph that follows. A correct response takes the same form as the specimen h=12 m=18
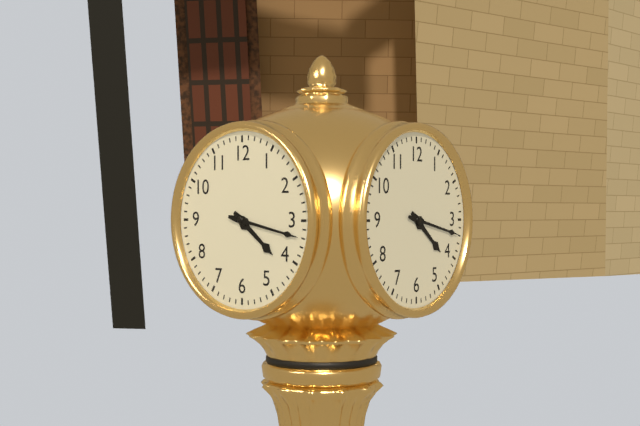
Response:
h=4 m=17
